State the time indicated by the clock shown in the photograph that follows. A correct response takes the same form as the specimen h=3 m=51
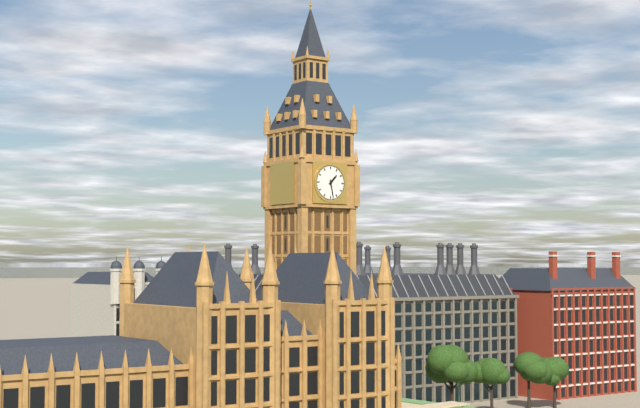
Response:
h=1 m=28
